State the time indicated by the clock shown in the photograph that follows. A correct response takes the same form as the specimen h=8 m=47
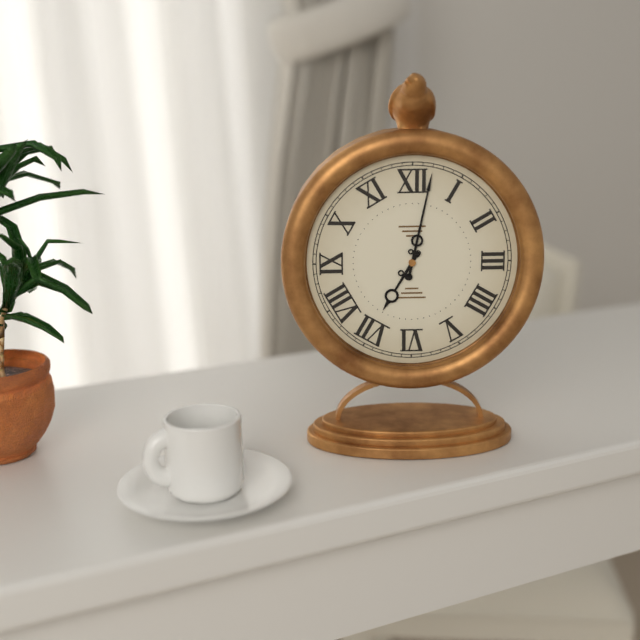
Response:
h=7 m=2
